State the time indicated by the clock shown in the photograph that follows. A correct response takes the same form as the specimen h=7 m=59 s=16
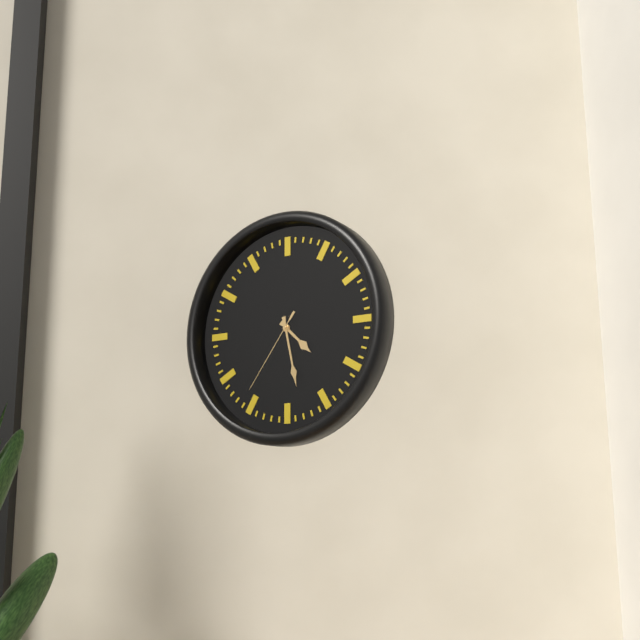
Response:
h=4 m=28 s=36
